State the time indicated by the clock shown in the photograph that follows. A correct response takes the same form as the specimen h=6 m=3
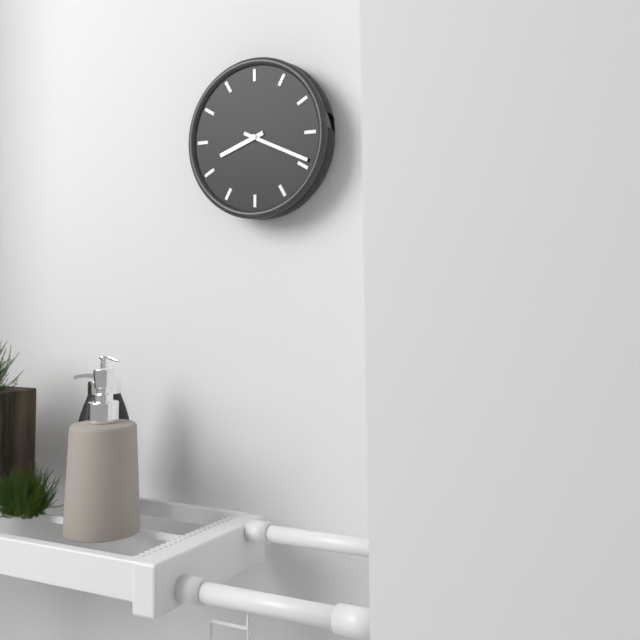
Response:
h=8 m=19
